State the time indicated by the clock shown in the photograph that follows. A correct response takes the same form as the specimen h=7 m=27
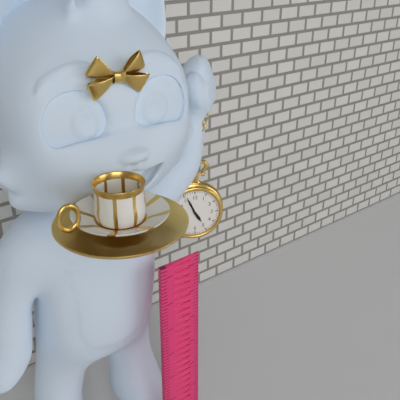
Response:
h=4 m=56
